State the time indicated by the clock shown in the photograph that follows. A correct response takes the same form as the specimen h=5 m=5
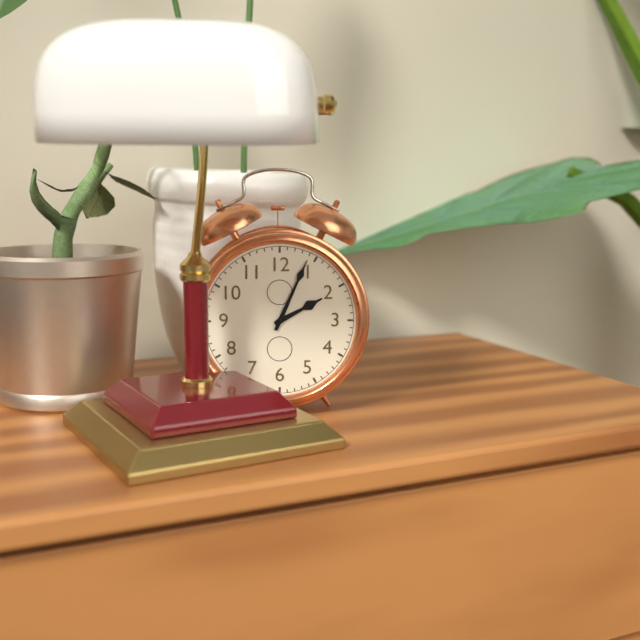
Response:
h=2 m=4
